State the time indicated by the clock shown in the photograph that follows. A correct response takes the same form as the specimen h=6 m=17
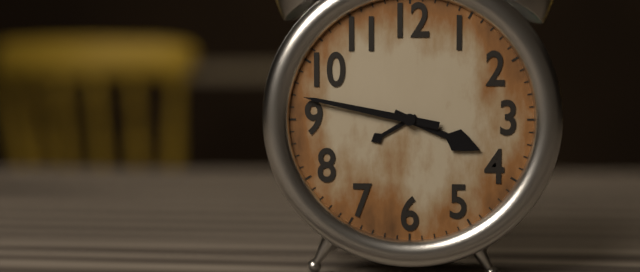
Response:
h=3 m=47
